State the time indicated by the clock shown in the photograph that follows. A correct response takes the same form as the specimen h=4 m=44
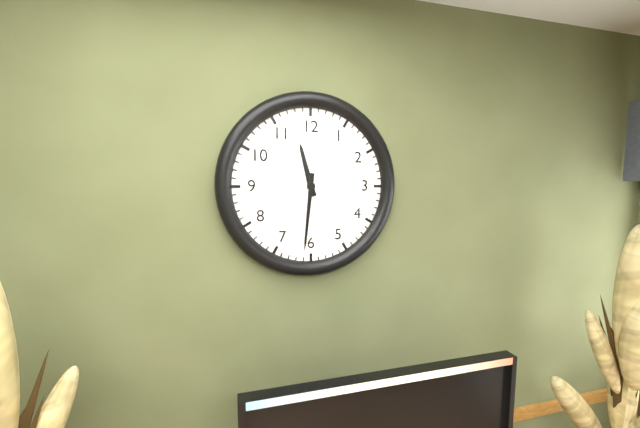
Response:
h=11 m=31
